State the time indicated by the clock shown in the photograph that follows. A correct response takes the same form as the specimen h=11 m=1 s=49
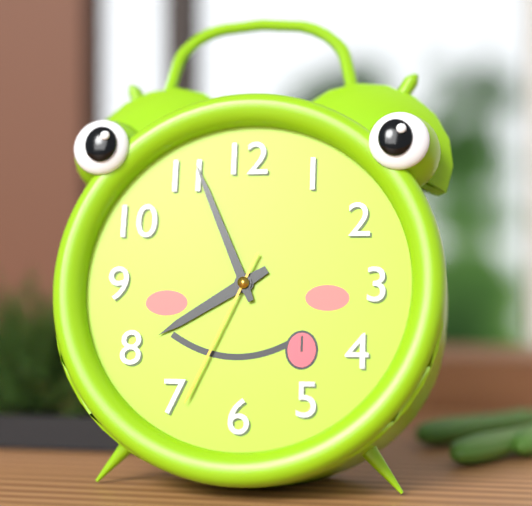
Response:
h=7 m=56 s=34
